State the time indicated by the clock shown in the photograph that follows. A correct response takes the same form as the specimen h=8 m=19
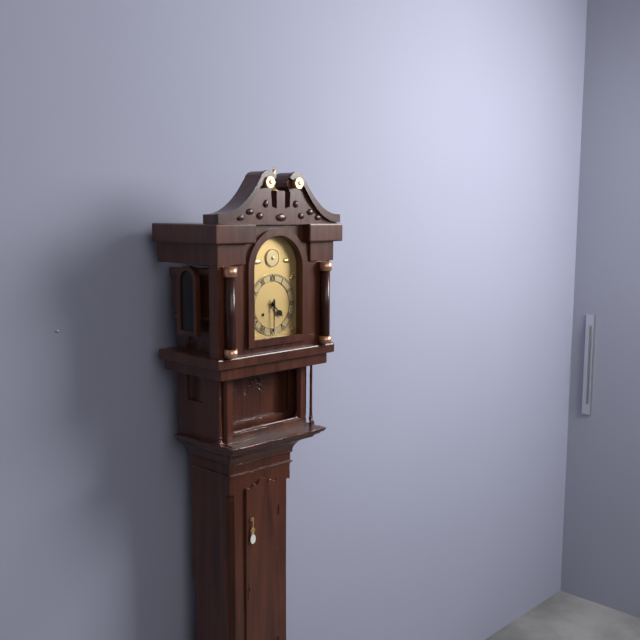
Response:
h=4 m=30
